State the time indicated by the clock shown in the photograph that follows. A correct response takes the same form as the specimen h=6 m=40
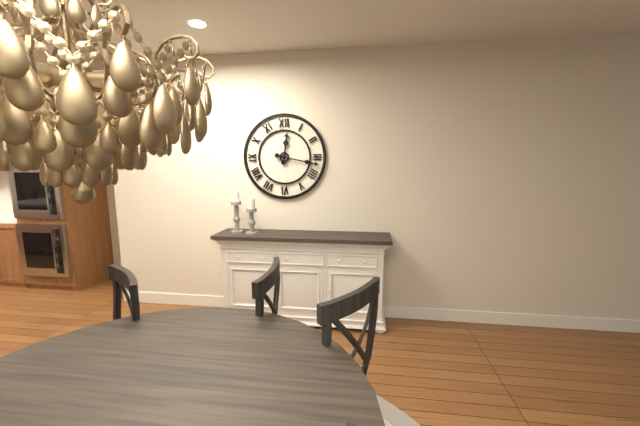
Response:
h=12 m=17
